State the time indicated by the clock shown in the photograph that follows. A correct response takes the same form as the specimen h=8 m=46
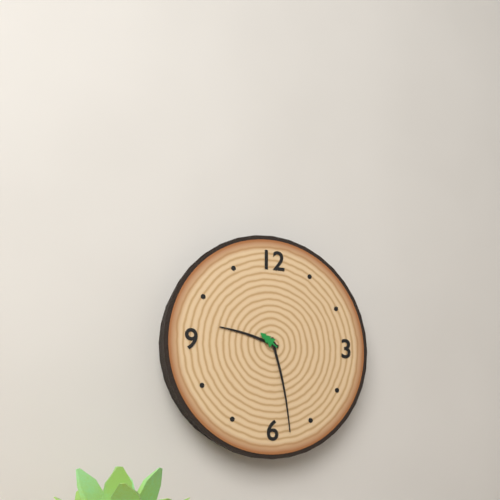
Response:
h=9 m=28
